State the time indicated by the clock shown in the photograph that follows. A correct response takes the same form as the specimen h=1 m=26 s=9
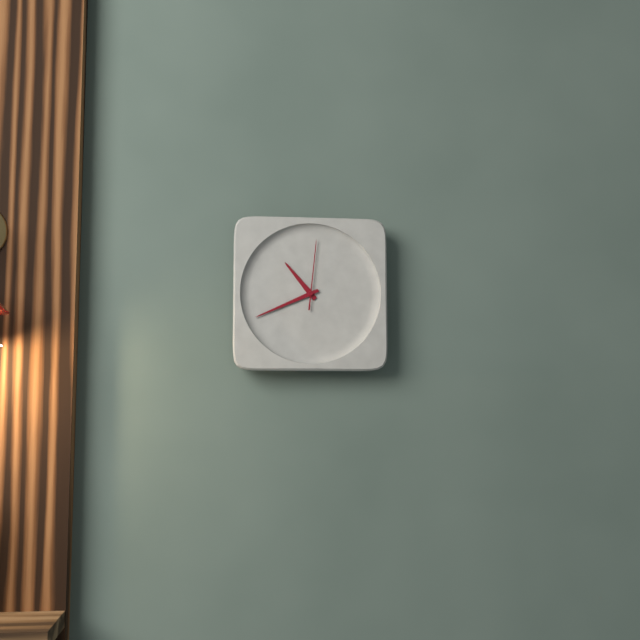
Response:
h=10 m=41 s=1
